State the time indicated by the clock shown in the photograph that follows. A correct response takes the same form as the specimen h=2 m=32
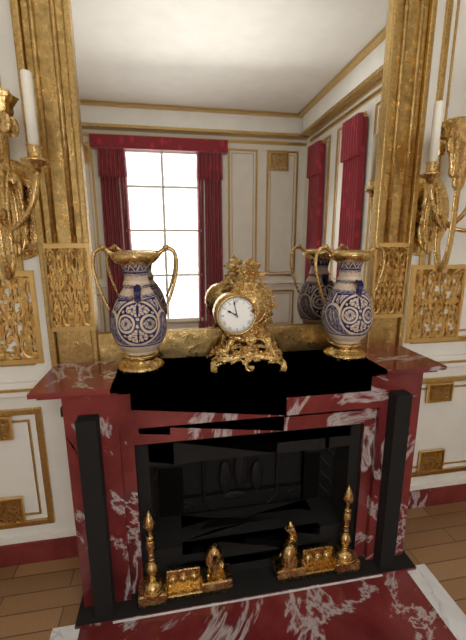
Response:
h=9 m=58
